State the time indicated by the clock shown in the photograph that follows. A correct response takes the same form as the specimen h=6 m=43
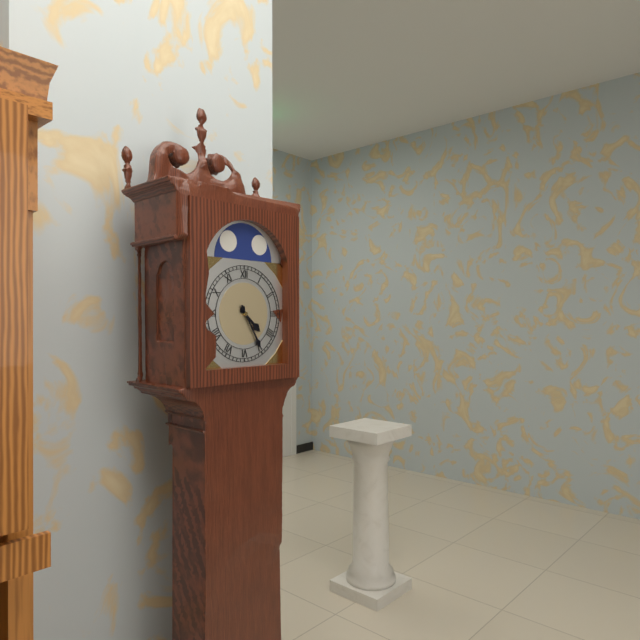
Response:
h=4 m=25
